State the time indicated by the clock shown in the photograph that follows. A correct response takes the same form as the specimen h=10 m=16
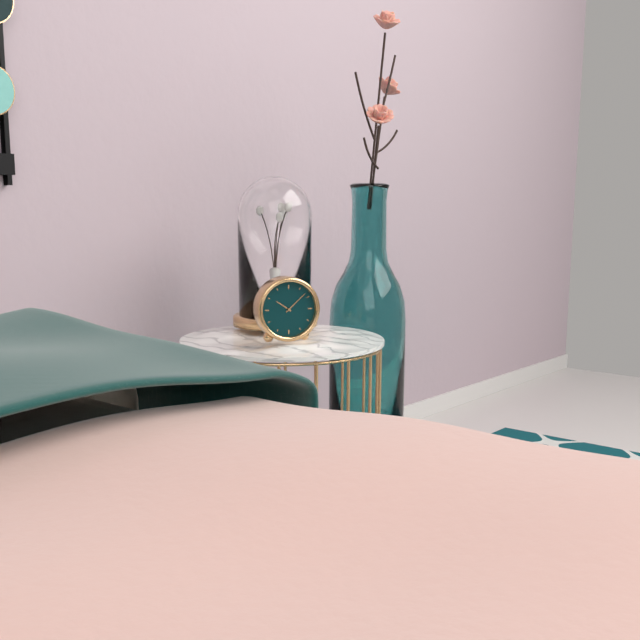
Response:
h=10 m=8
